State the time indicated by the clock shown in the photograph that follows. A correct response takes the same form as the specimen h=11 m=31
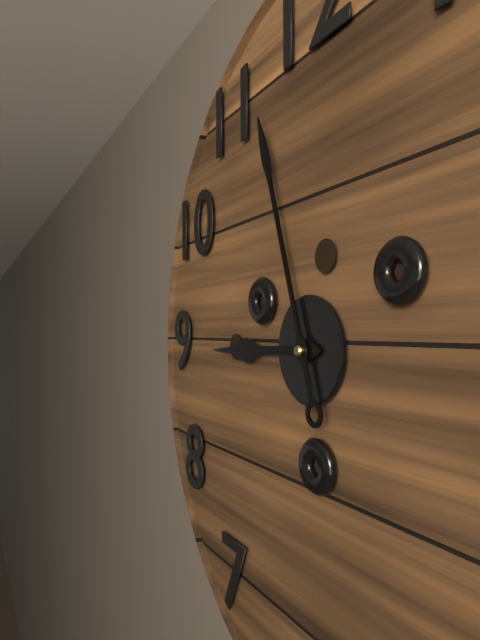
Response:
h=8 m=57
